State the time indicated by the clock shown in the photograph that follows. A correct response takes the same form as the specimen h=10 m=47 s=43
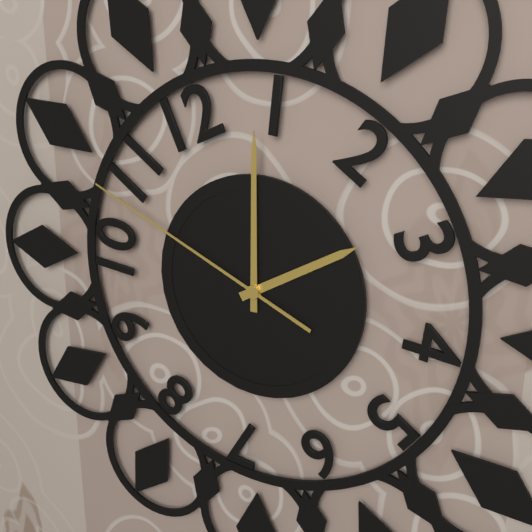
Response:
h=2 m=0 s=49
